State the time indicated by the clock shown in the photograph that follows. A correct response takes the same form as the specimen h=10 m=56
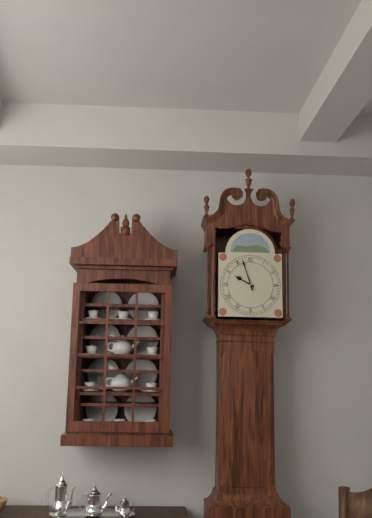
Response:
h=9 m=57
